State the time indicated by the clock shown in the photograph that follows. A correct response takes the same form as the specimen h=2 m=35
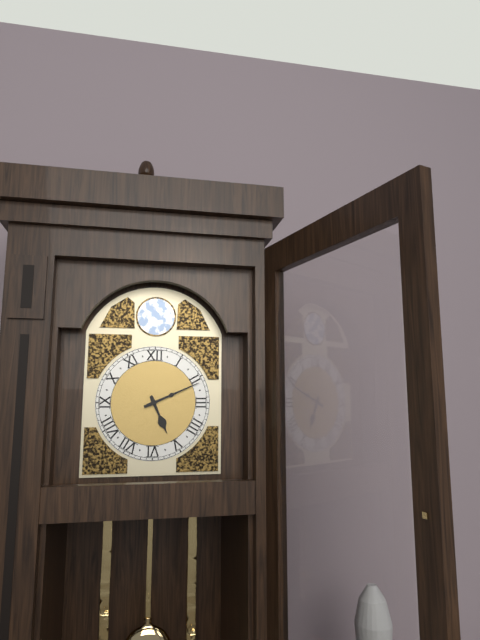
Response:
h=5 m=11
